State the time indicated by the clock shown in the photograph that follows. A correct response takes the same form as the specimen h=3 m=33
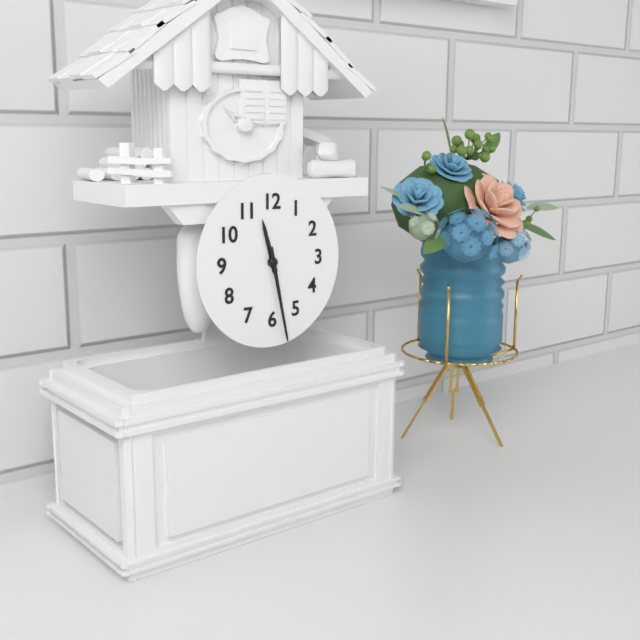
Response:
h=11 m=28
